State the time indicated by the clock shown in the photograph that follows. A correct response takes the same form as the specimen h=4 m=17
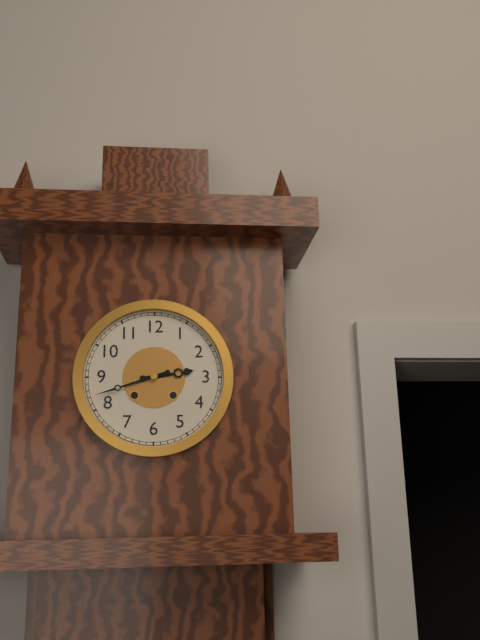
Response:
h=2 m=42
